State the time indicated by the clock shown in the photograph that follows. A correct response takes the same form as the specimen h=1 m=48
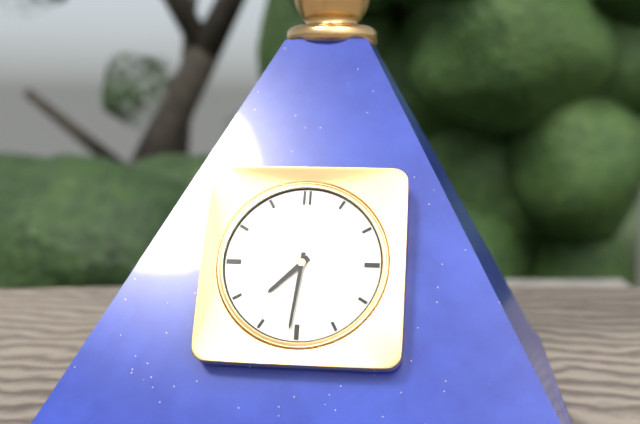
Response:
h=7 m=31
